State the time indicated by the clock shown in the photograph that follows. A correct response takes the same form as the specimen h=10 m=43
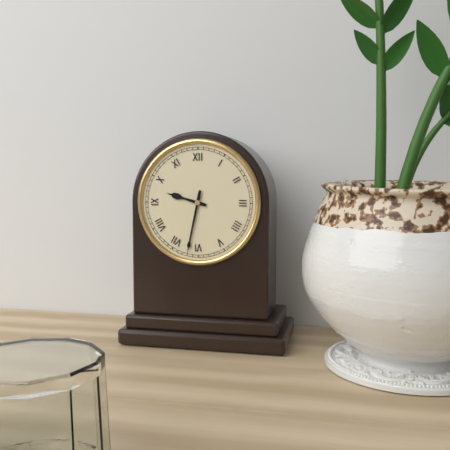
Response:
h=9 m=32
